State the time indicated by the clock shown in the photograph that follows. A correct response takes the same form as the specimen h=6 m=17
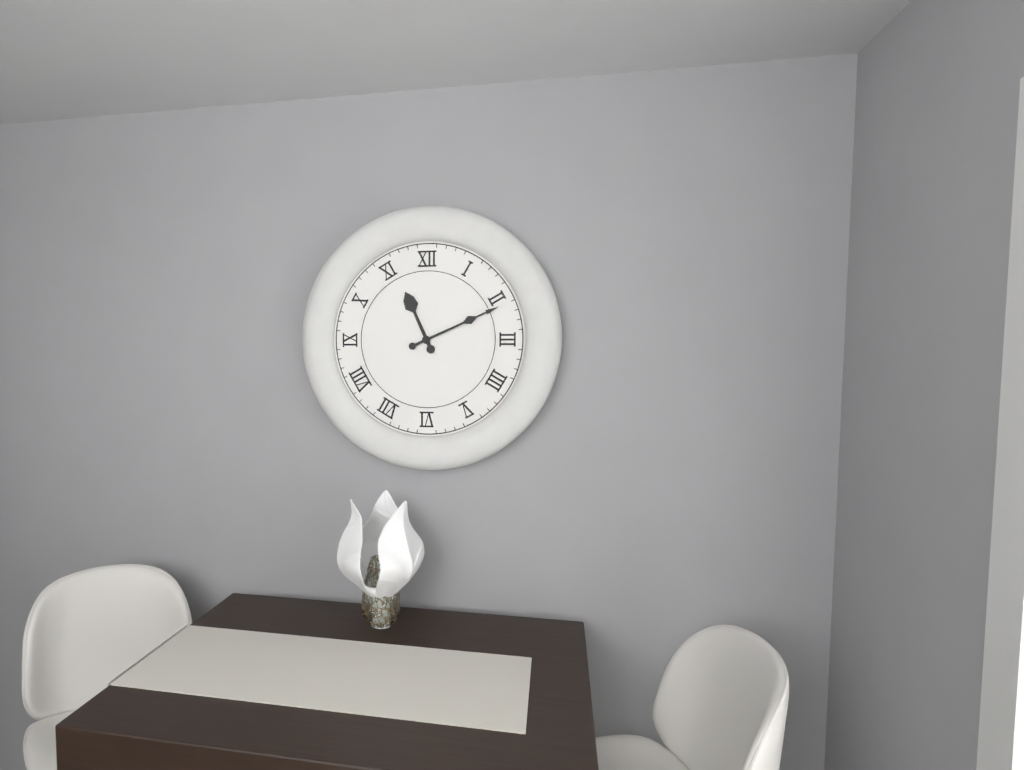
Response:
h=11 m=11
